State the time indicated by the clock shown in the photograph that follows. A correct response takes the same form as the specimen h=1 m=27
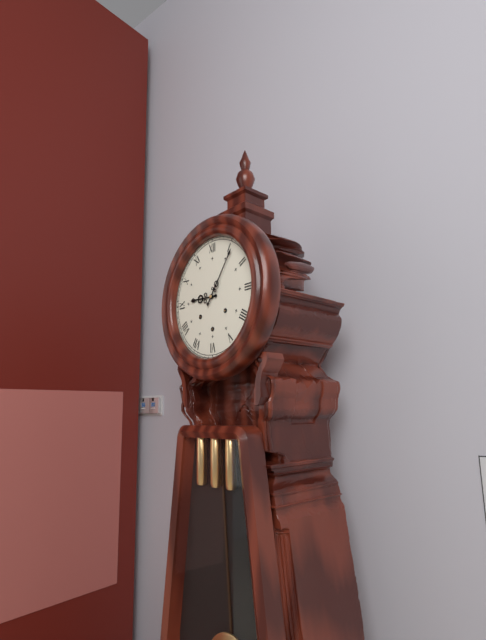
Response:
h=9 m=6
